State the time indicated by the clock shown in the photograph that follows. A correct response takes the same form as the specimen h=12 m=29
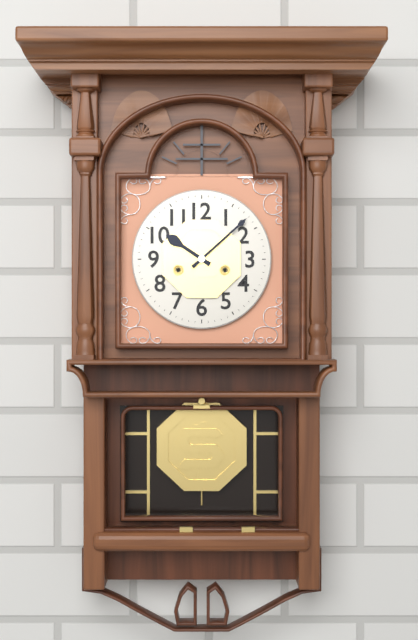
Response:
h=10 m=8
